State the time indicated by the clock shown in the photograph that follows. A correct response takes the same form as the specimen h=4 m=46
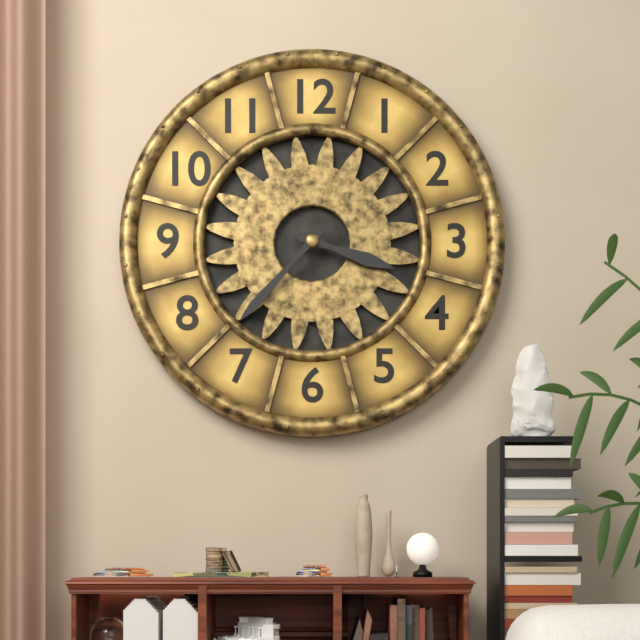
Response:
h=3 m=37
